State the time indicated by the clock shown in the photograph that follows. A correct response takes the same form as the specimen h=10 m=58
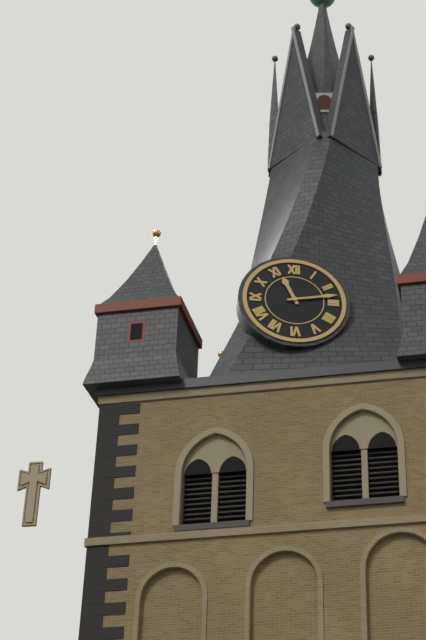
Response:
h=11 m=13
